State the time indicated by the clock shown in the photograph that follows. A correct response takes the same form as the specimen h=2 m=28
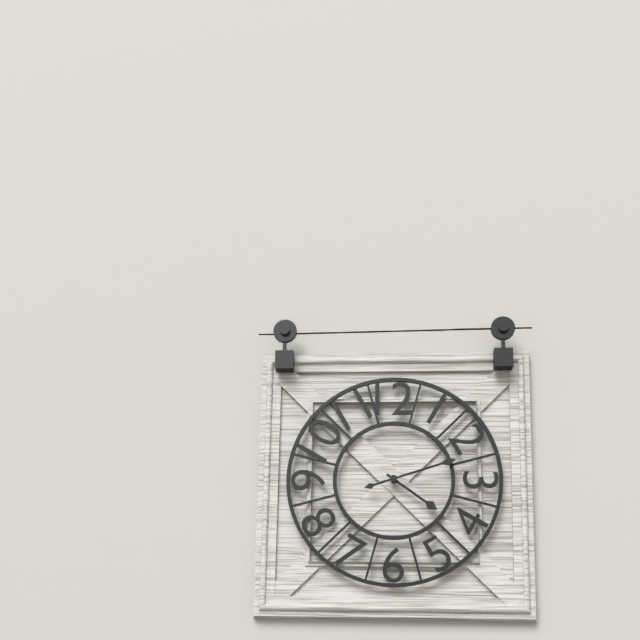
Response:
h=4 m=12
